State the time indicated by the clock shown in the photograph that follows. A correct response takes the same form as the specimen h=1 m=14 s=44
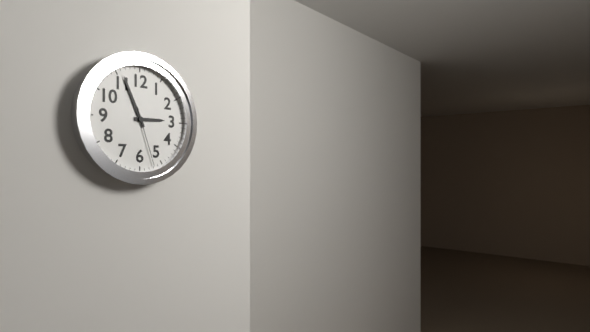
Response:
h=2 m=56 s=27
